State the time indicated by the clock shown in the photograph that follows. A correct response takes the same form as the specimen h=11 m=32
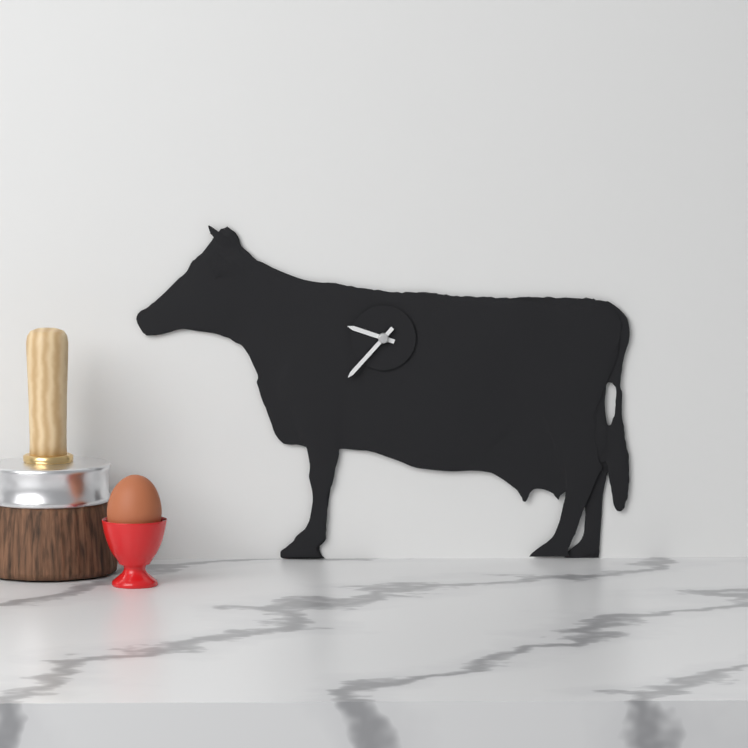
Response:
h=9 m=37
